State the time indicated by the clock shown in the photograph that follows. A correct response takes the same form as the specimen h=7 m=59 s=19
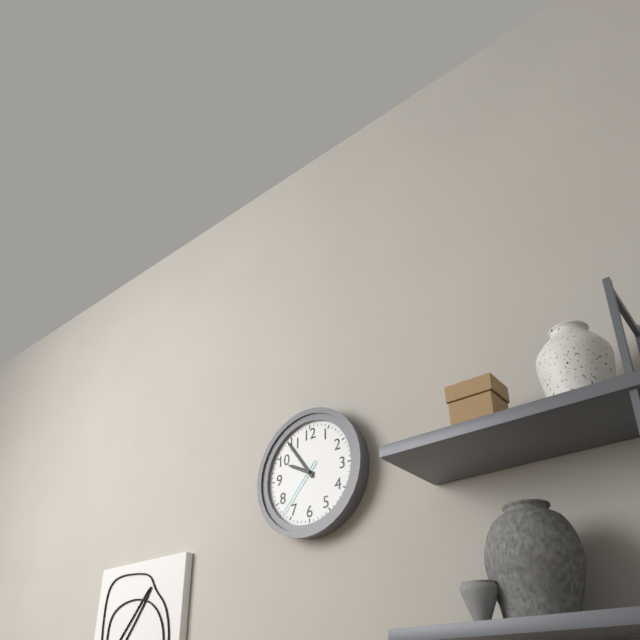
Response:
h=9 m=54 s=37
